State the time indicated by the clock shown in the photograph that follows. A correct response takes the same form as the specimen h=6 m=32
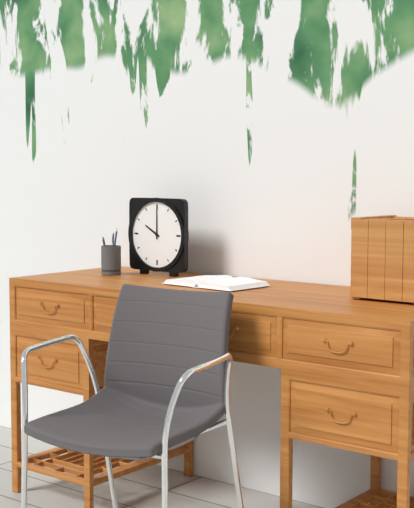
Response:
h=10 m=0
